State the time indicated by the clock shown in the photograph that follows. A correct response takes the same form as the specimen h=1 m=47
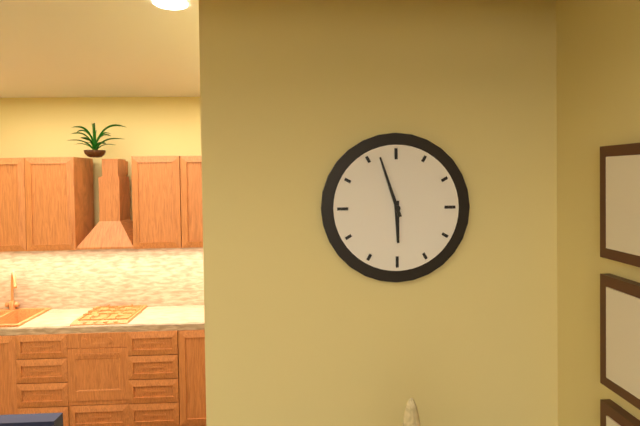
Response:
h=5 m=57
